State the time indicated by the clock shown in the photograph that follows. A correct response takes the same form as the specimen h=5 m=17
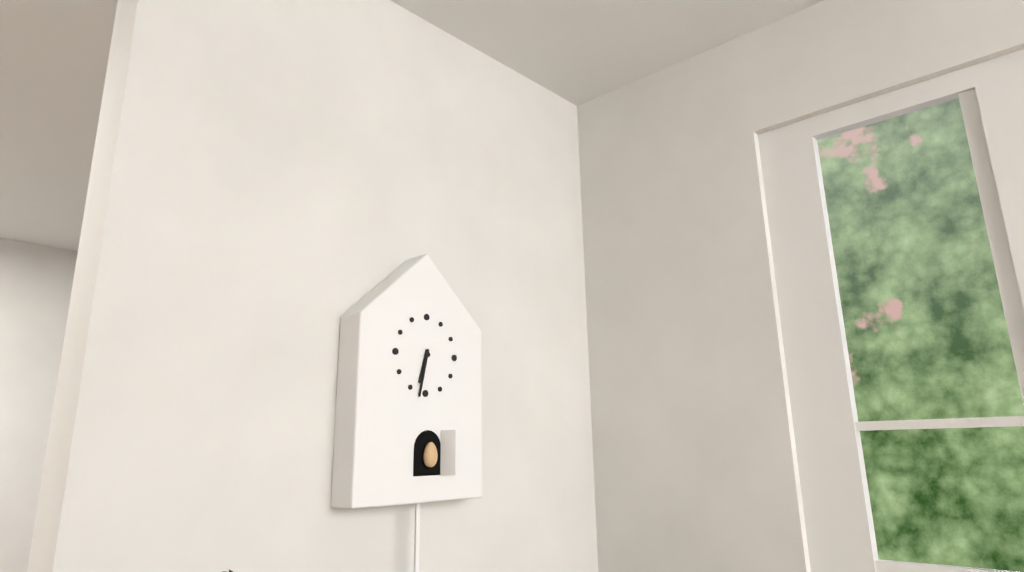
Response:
h=6 m=32
